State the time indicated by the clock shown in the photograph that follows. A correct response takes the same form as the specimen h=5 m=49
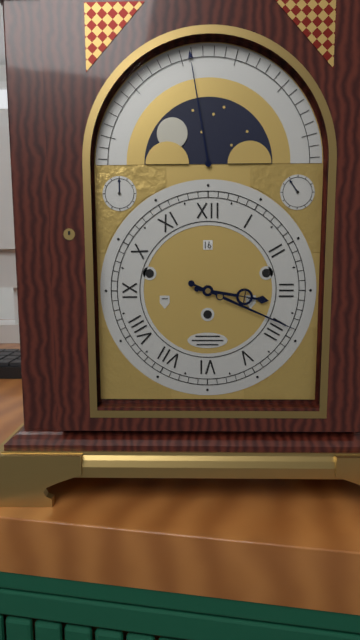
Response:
h=3 m=19
